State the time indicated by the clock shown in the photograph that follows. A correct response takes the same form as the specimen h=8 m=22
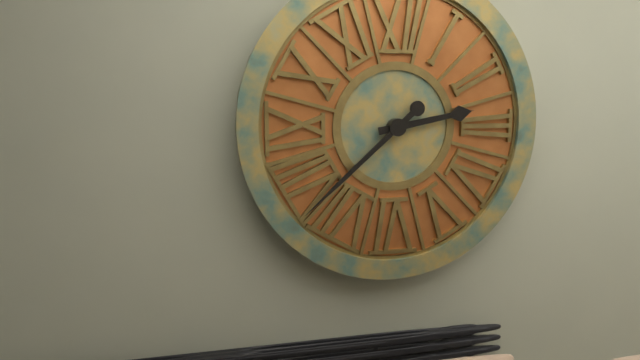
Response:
h=2 m=38
